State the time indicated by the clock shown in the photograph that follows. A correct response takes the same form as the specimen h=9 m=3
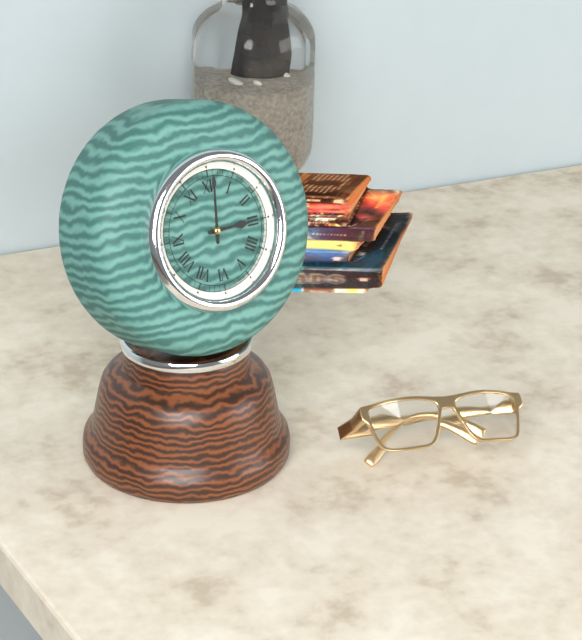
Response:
h=3 m=1
